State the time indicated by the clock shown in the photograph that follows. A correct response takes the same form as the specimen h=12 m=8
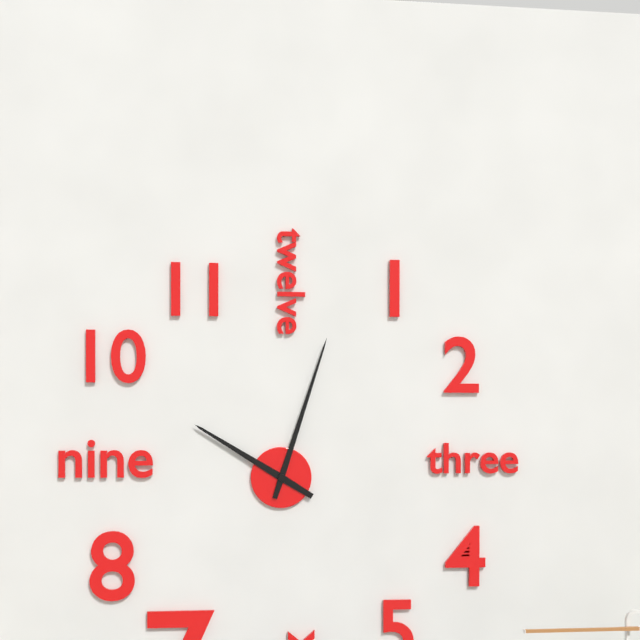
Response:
h=10 m=3
